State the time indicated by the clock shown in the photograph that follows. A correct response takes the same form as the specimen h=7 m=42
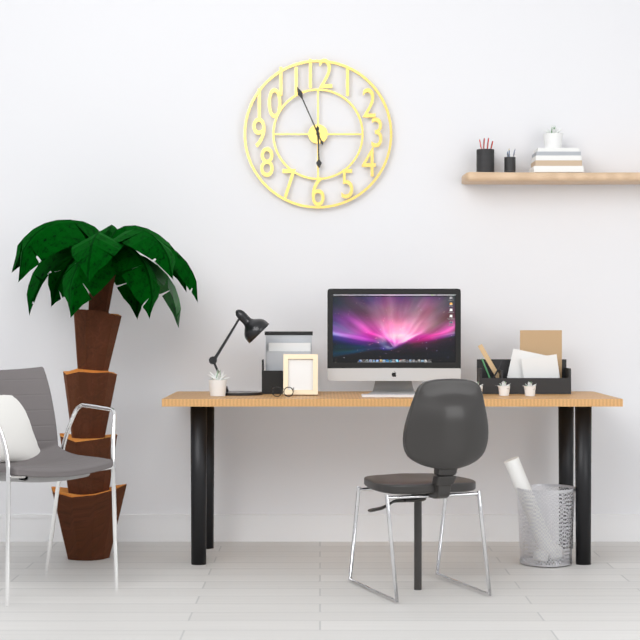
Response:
h=5 m=56
